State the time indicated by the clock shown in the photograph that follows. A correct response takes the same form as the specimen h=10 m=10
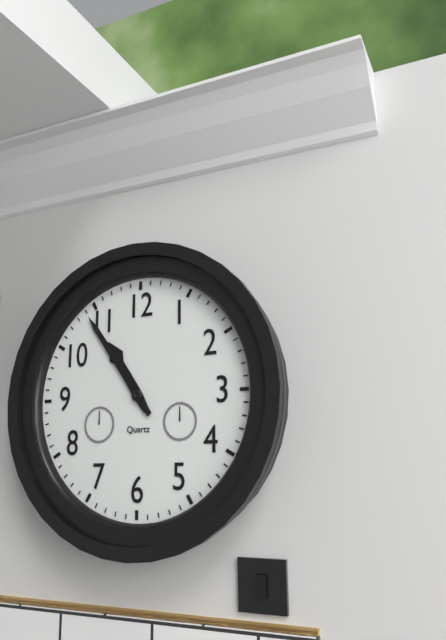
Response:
h=10 m=54
